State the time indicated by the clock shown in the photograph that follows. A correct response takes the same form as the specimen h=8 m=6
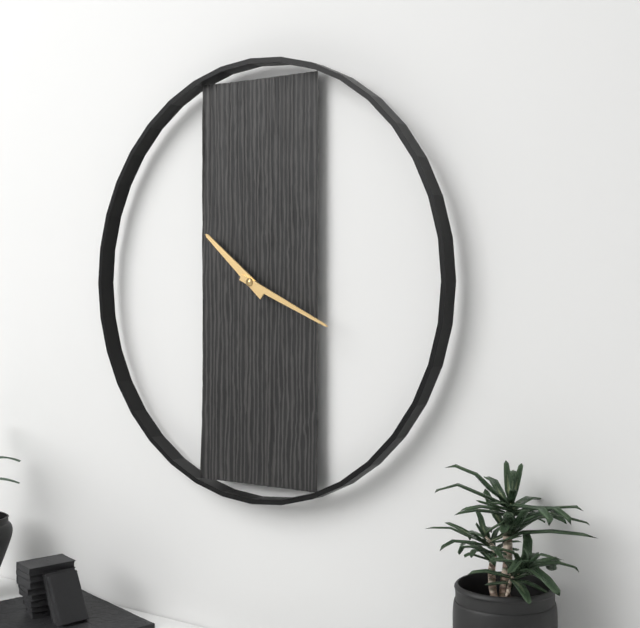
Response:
h=10 m=19
